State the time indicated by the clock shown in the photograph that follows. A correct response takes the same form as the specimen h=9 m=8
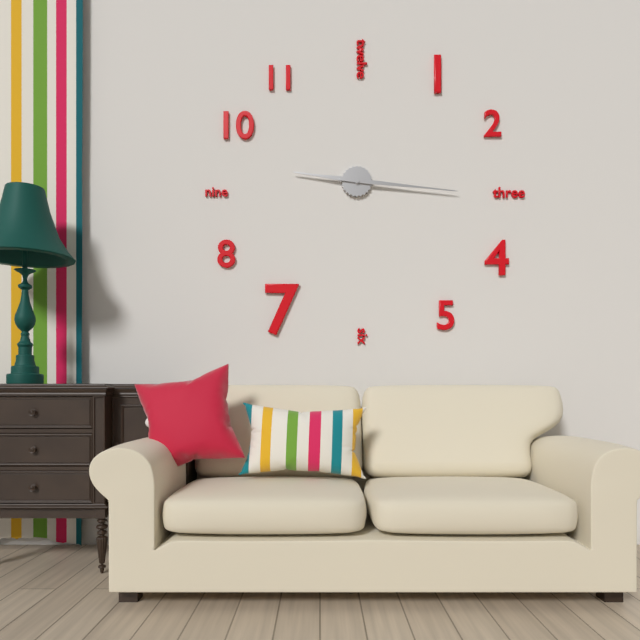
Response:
h=9 m=16
